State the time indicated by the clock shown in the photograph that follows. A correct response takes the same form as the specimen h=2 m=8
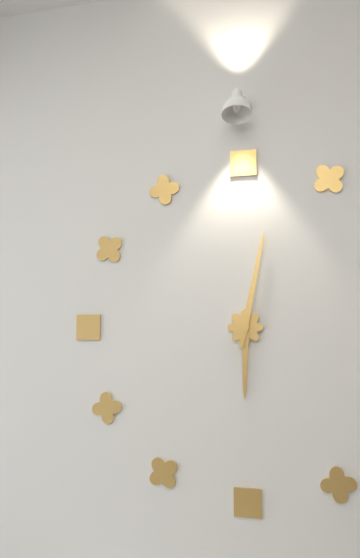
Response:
h=6 m=2
